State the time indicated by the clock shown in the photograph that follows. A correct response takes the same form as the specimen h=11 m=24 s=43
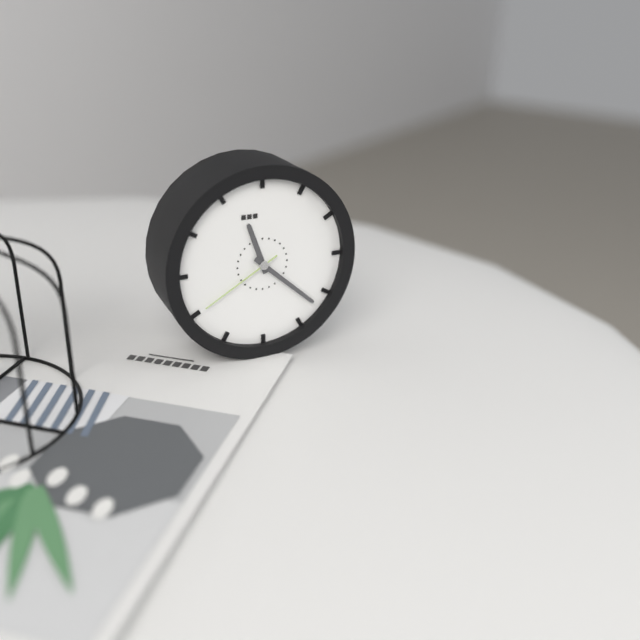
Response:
h=11 m=22 s=40
